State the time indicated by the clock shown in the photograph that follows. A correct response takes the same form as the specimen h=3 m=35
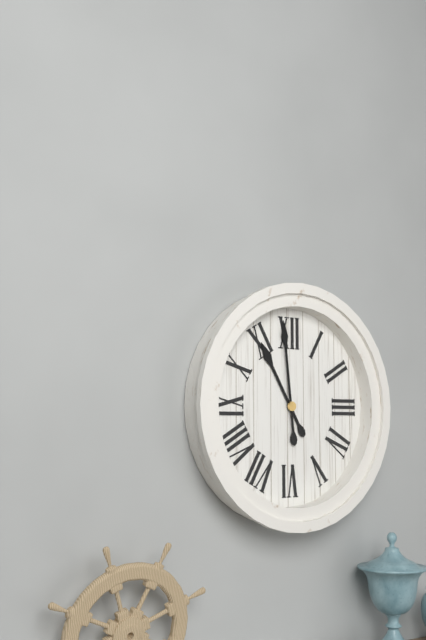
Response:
h=10 m=59
